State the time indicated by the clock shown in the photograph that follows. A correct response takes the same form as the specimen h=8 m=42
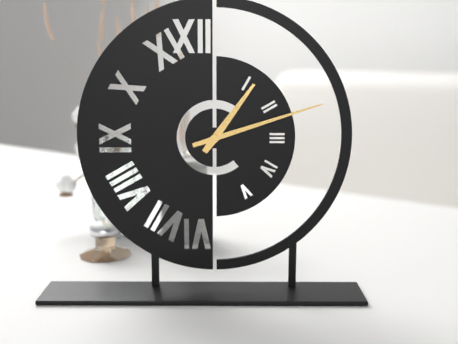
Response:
h=1 m=12
